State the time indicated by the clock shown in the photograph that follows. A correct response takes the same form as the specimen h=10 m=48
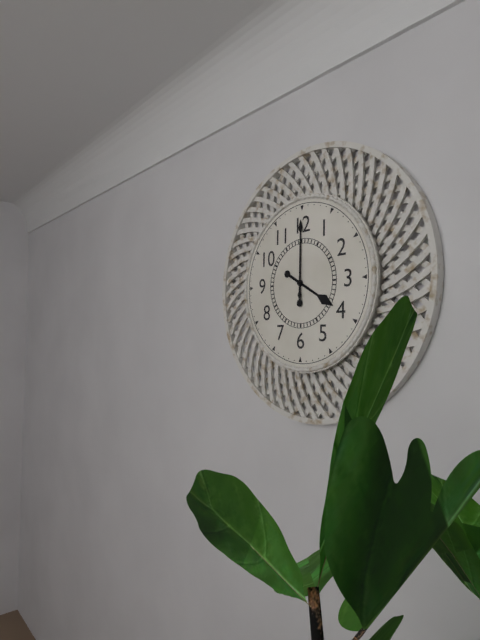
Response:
h=4 m=0
